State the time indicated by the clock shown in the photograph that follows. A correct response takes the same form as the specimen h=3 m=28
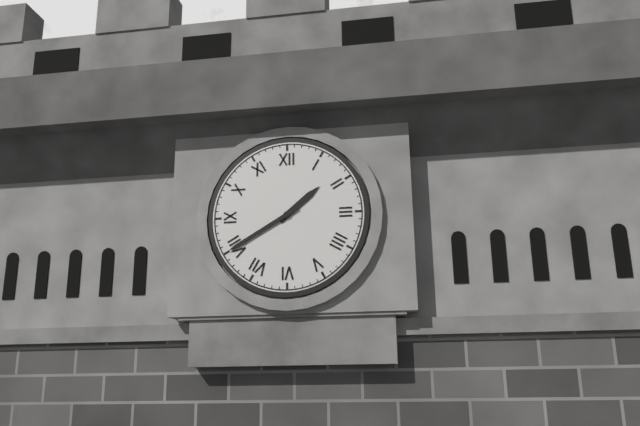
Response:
h=1 m=40
